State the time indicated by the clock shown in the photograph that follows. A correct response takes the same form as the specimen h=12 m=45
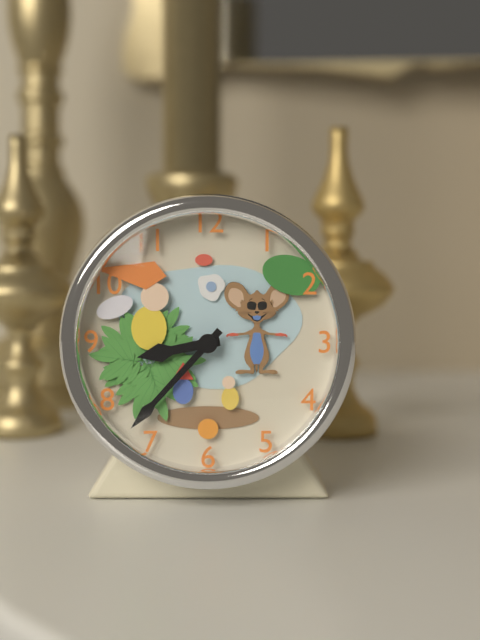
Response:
h=8 m=37
